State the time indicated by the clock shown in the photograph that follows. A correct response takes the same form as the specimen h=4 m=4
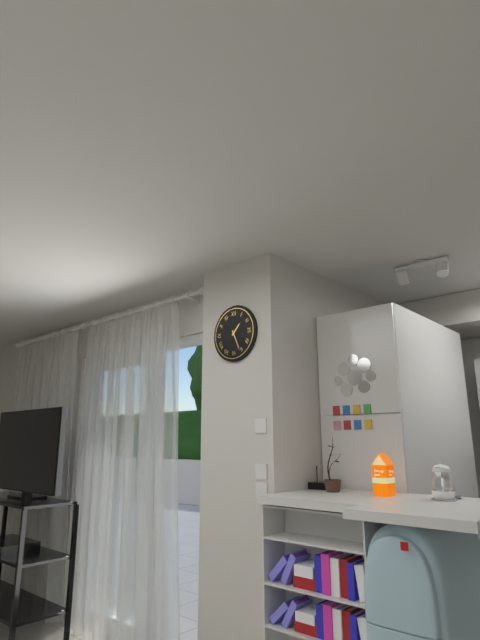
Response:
h=1 m=26
